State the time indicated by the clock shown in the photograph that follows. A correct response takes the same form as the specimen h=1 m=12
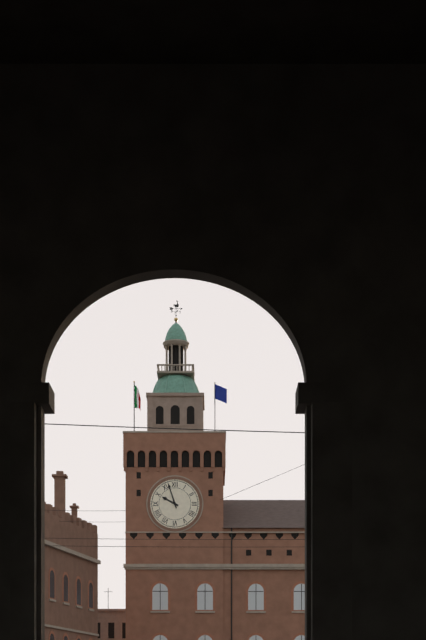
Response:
h=9 m=57
